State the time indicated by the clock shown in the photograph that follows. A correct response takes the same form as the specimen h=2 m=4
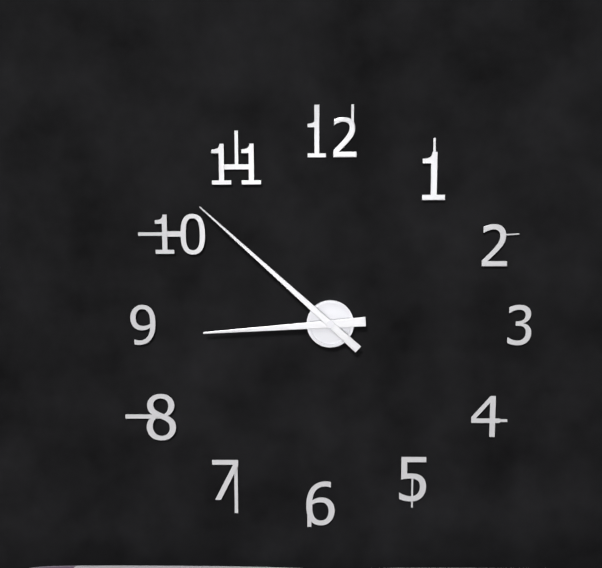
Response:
h=8 m=52
